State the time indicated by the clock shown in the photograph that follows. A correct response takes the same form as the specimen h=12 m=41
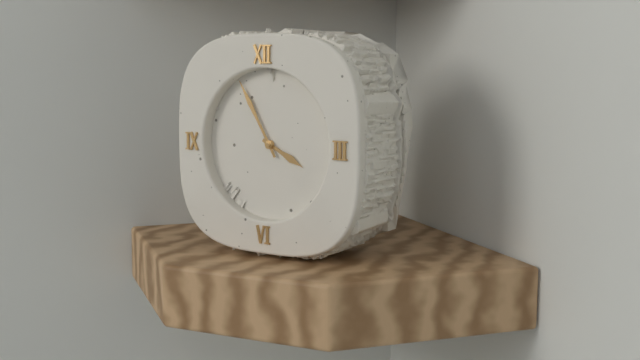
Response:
h=3 m=55
